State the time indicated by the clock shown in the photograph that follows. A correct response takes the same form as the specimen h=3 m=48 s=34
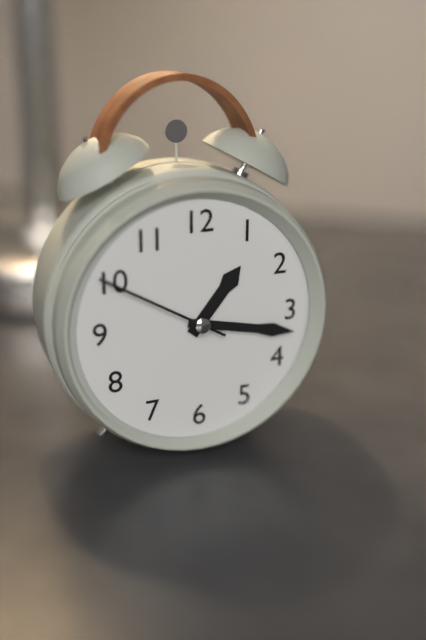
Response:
h=1 m=17 s=50
